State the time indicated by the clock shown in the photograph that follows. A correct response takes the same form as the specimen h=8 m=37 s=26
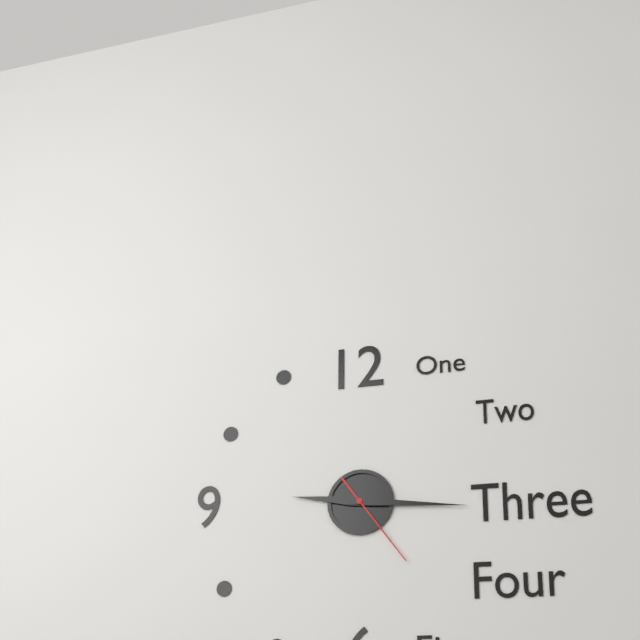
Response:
h=9 m=16 s=24
